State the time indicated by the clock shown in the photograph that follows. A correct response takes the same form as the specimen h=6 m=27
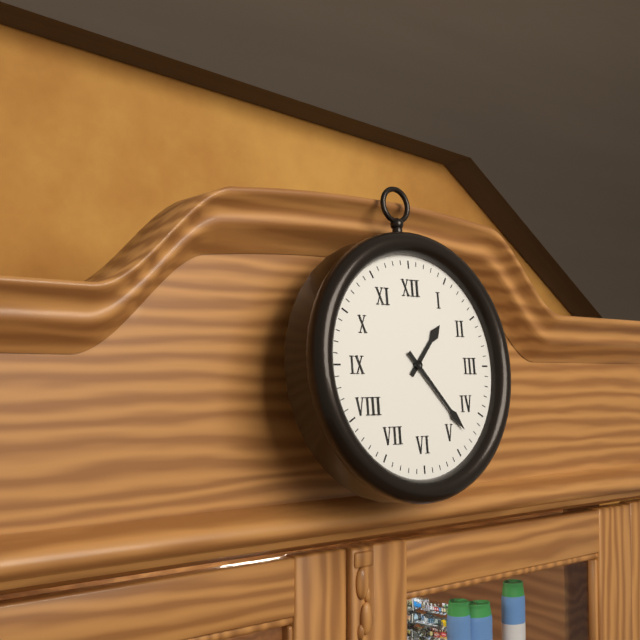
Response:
h=1 m=23
